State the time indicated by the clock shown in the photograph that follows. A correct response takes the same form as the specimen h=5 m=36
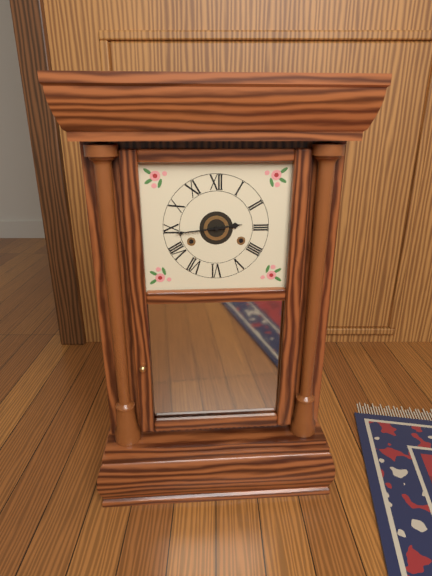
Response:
h=2 m=44
